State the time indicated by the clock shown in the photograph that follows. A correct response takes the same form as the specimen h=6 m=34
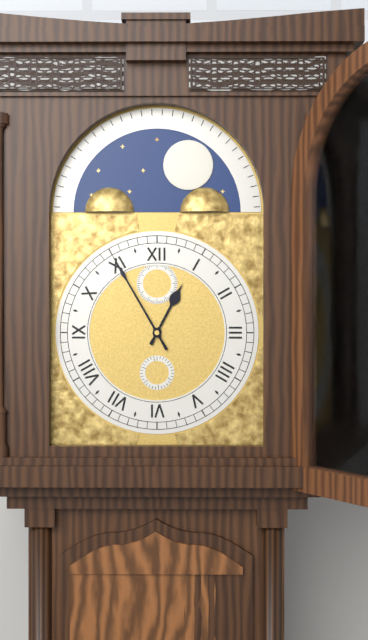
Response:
h=12 m=55
